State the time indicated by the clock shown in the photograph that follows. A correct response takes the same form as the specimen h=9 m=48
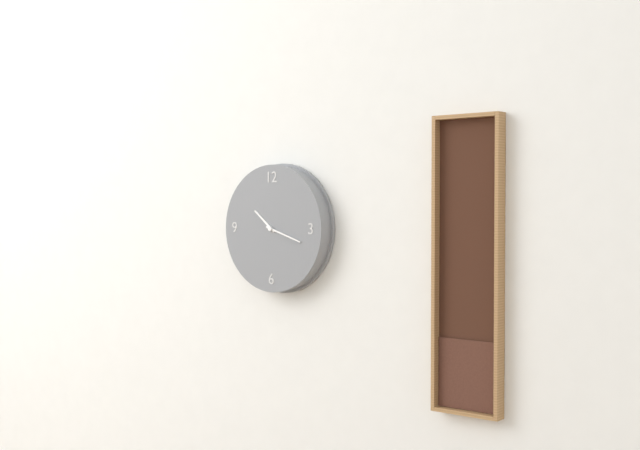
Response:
h=10 m=18
